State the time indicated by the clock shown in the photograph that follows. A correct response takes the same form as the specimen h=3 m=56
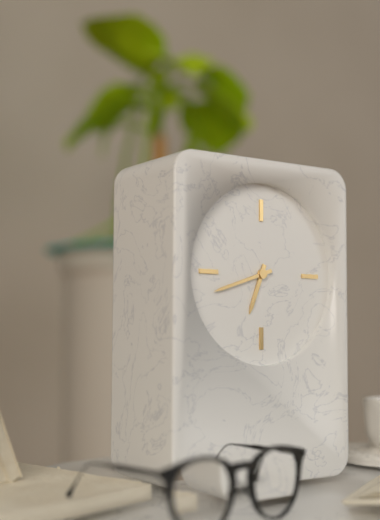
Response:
h=6 m=42
